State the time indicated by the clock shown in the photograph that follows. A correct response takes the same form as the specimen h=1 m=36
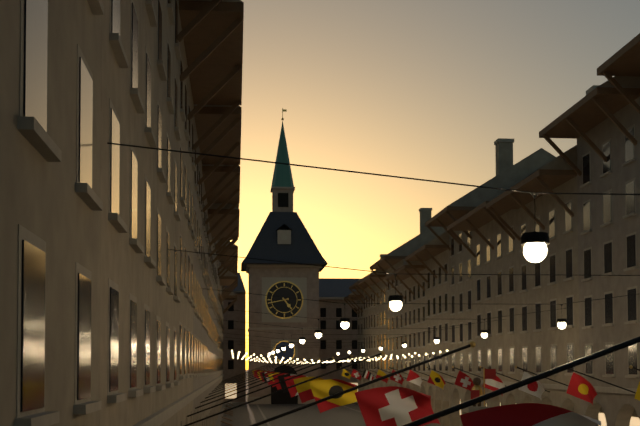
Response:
h=4 m=43
